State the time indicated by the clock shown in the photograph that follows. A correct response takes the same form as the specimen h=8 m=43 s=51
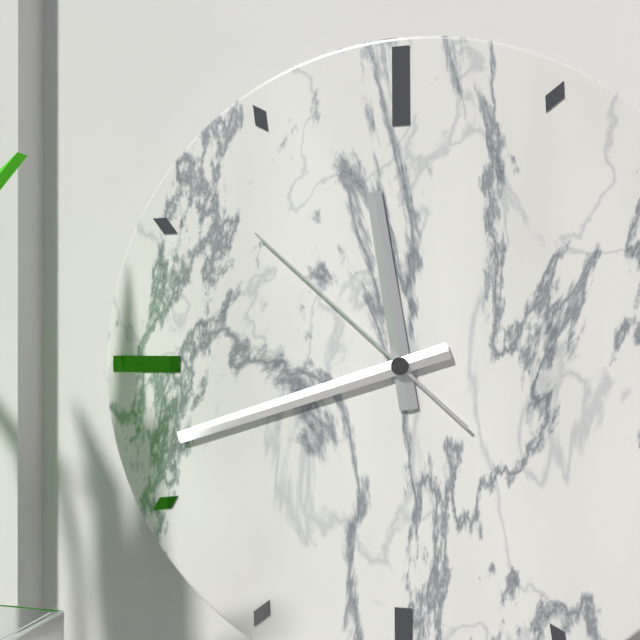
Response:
h=11 m=42 s=52
